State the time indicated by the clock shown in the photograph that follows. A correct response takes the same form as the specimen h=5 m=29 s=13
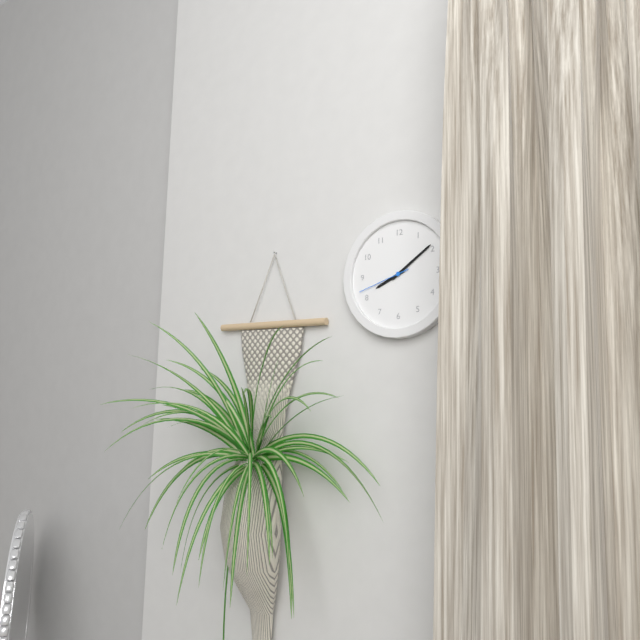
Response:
h=8 m=9 s=42
